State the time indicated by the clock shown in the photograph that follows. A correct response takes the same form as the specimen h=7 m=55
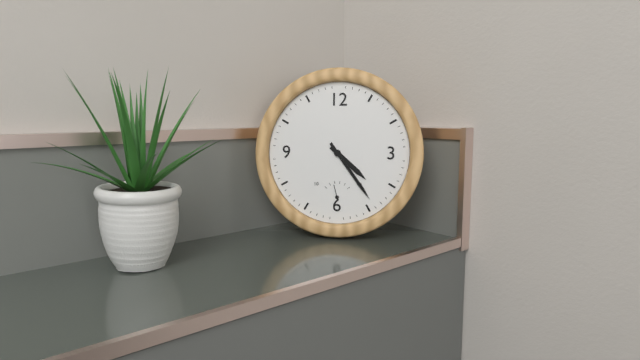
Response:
h=4 m=24
